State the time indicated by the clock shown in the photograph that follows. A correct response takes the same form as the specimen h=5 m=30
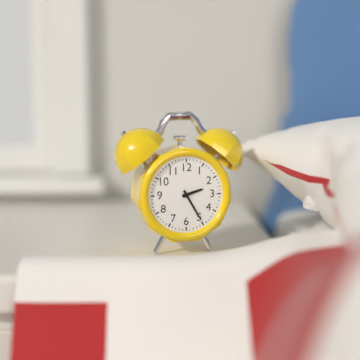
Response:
h=2 m=25
